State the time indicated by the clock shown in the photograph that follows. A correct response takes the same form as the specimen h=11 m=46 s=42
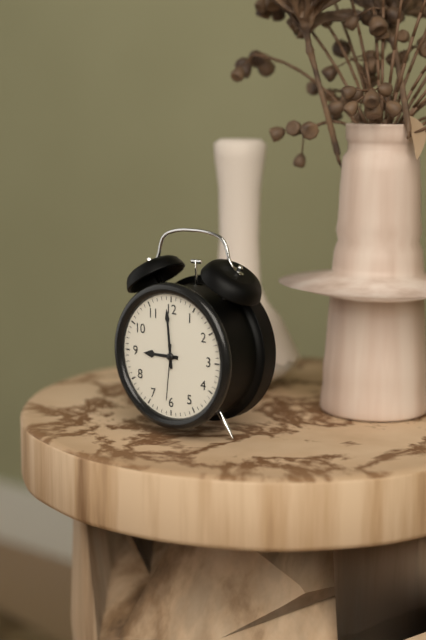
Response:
h=8 m=59 s=31
